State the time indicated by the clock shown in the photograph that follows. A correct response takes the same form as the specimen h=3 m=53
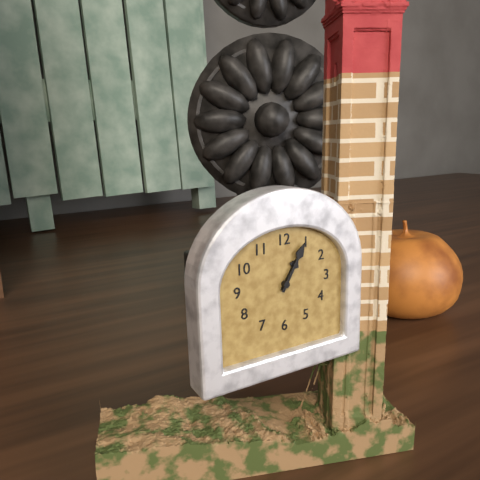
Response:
h=1 m=5
